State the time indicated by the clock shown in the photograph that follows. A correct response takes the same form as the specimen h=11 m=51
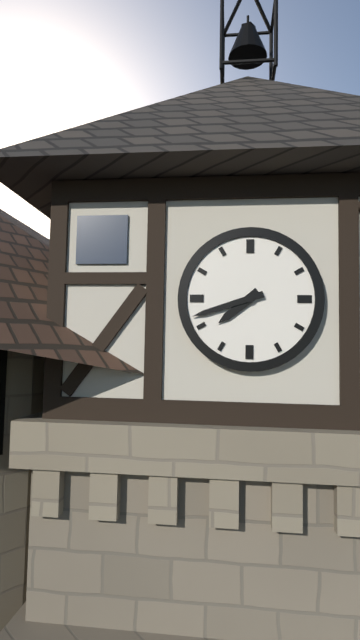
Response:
h=7 m=42
